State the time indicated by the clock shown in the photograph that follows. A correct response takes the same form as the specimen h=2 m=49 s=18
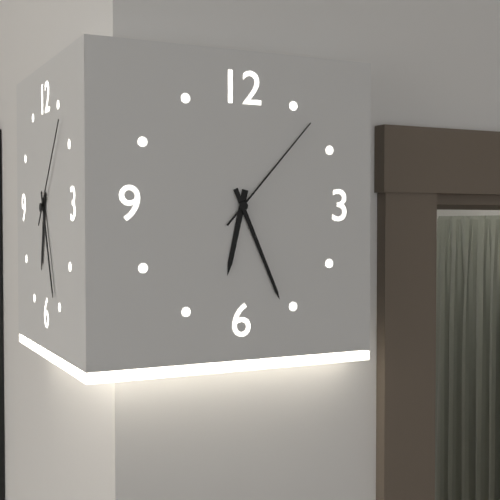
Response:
h=6 m=26 s=7
